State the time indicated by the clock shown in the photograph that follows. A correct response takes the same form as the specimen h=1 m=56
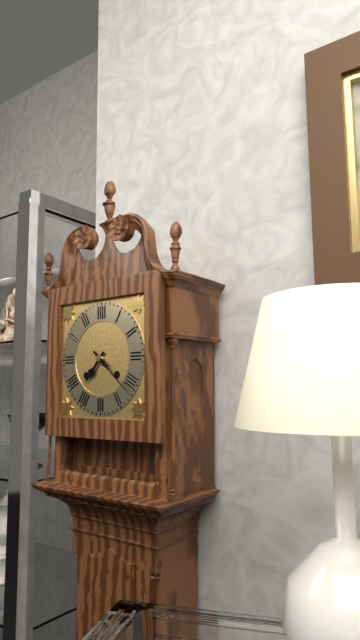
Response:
h=7 m=22
